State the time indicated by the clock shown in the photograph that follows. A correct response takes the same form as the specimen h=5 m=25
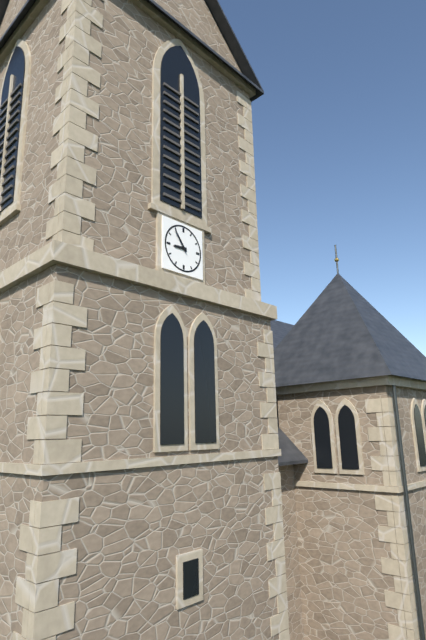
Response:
h=8 m=54
